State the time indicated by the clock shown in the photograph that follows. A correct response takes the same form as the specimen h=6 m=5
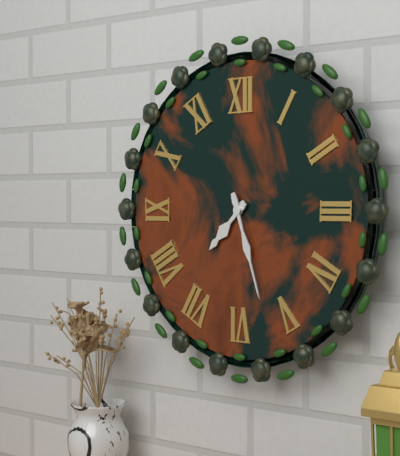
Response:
h=7 m=27
